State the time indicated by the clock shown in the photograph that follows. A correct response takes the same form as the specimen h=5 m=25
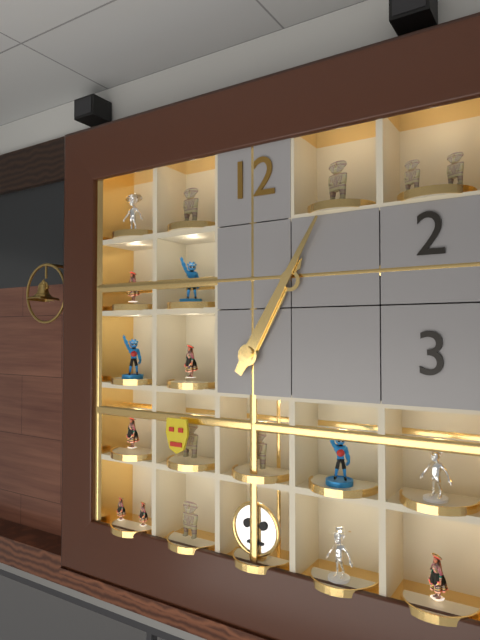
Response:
h=1 m=5
